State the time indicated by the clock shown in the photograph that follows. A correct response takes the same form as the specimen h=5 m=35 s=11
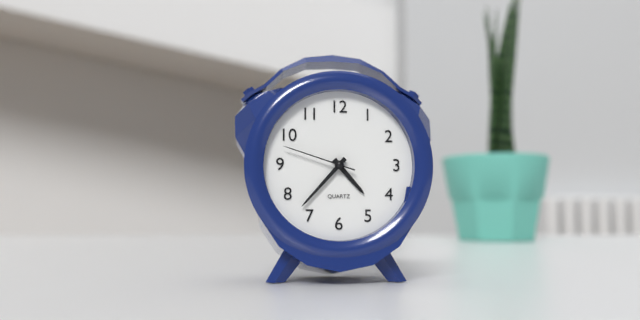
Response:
h=4 m=37 s=48
